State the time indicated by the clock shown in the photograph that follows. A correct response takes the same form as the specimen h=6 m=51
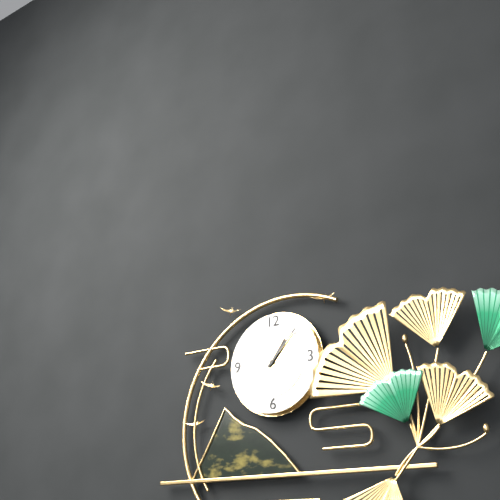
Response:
h=1 m=7
